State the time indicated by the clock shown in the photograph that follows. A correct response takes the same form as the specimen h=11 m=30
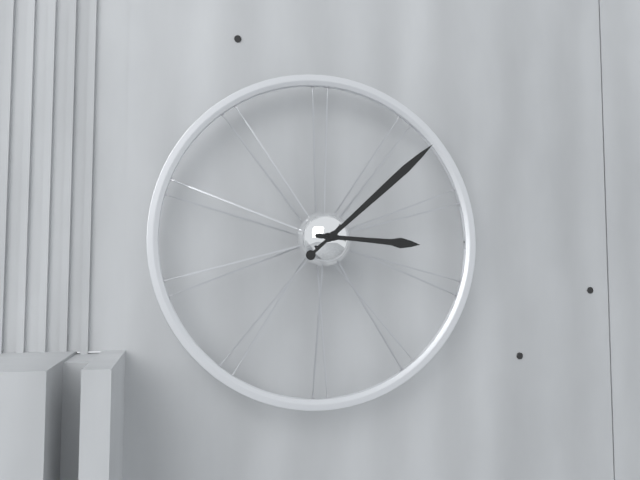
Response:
h=3 m=8
